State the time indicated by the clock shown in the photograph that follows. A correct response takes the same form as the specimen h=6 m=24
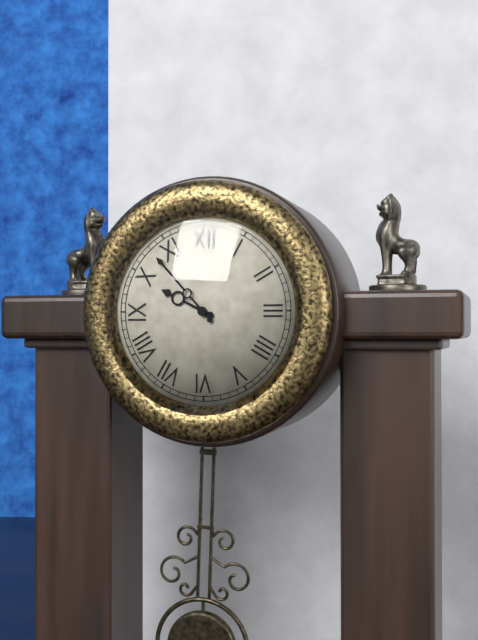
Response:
h=9 m=53
